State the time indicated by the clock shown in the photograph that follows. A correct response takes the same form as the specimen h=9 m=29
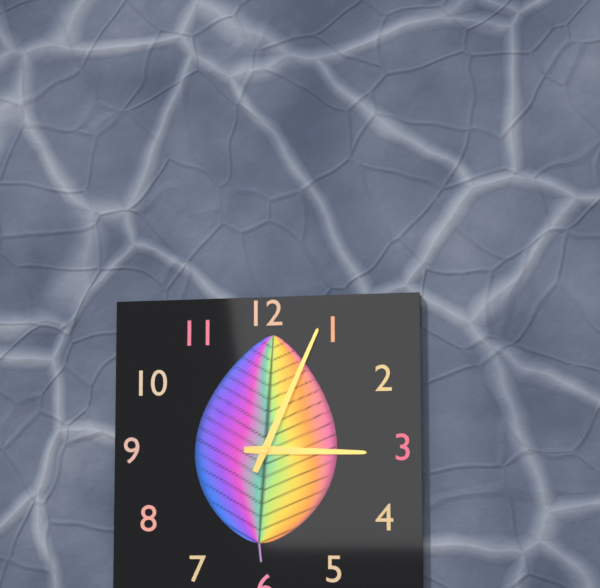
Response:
h=3 m=4
